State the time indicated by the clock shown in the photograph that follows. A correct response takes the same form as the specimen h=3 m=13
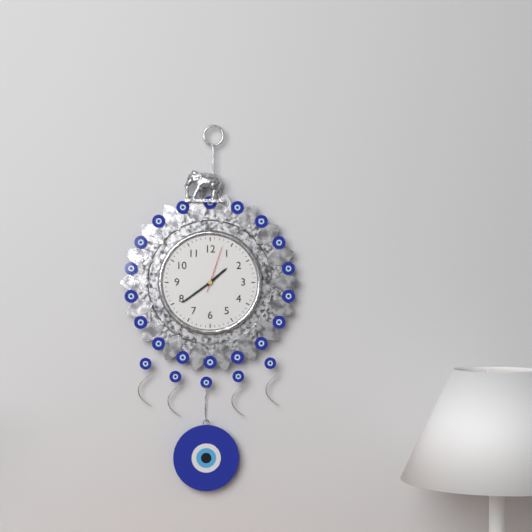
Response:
h=1 m=39
